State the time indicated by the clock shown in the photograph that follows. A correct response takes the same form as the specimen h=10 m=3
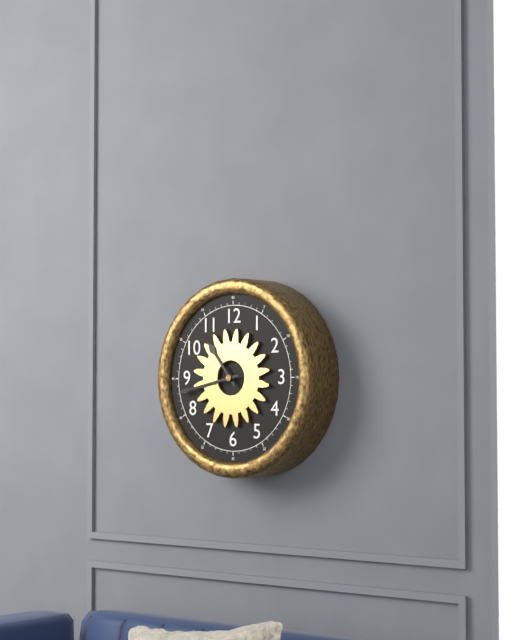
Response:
h=10 m=43
